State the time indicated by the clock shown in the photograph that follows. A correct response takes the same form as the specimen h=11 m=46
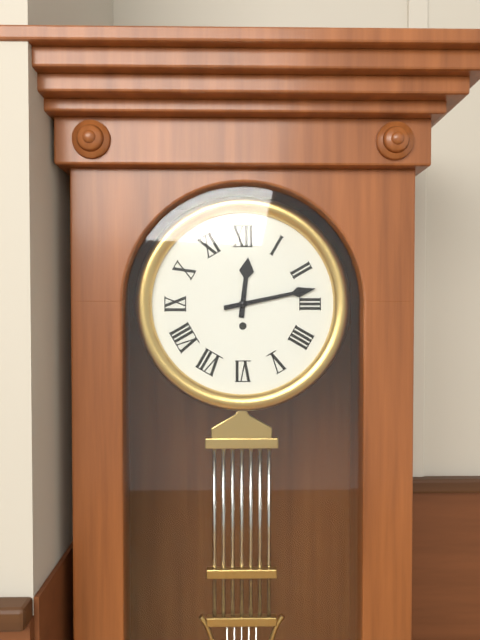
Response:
h=12 m=13
